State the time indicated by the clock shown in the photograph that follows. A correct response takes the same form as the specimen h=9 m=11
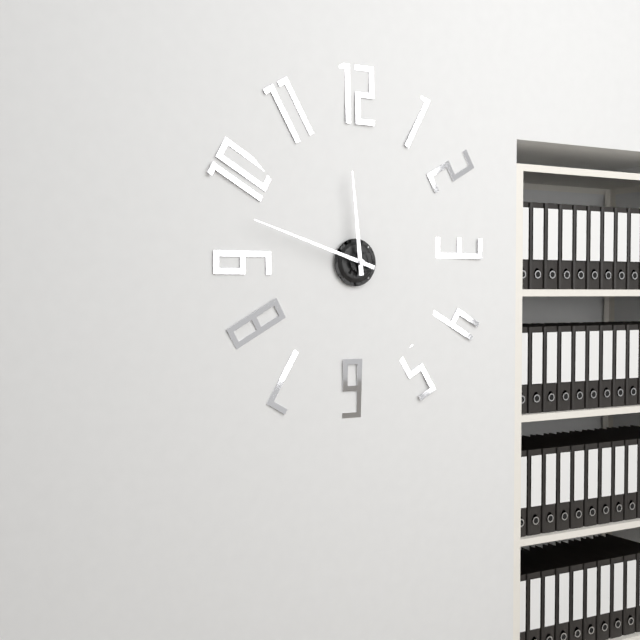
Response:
h=11 m=48
